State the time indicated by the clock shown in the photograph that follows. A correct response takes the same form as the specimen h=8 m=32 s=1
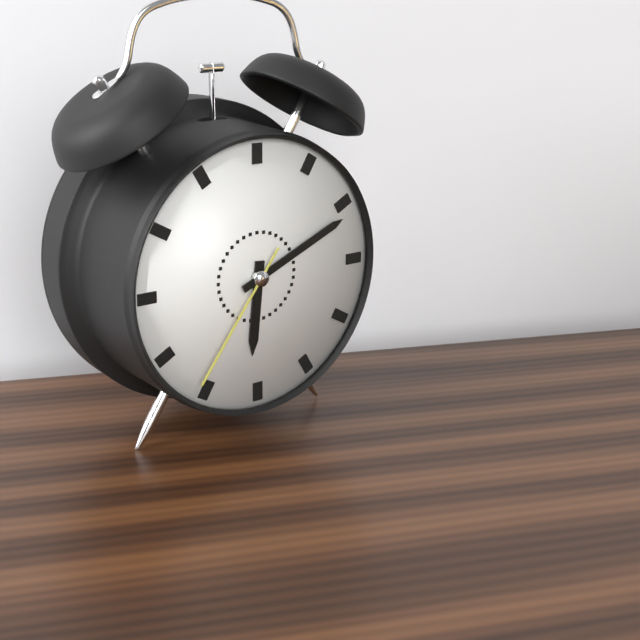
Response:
h=6 m=11 s=36
